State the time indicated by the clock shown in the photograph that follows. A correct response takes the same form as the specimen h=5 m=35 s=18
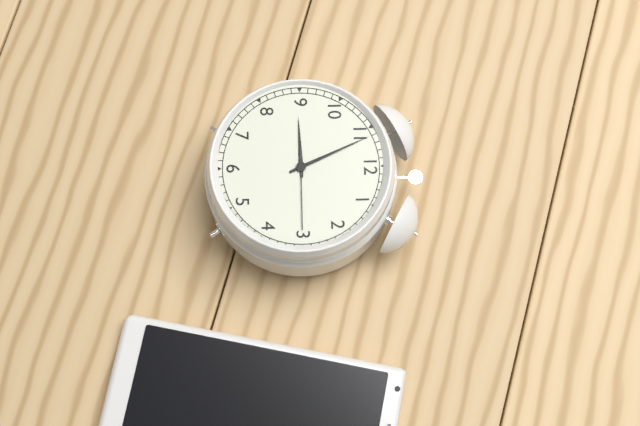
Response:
h=8 m=56 s=15
